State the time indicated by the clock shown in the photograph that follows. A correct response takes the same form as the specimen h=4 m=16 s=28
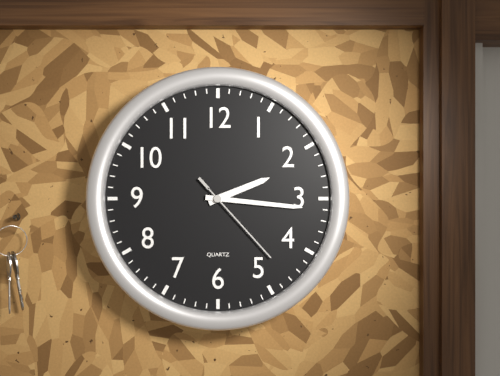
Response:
h=2 m=16 s=23
